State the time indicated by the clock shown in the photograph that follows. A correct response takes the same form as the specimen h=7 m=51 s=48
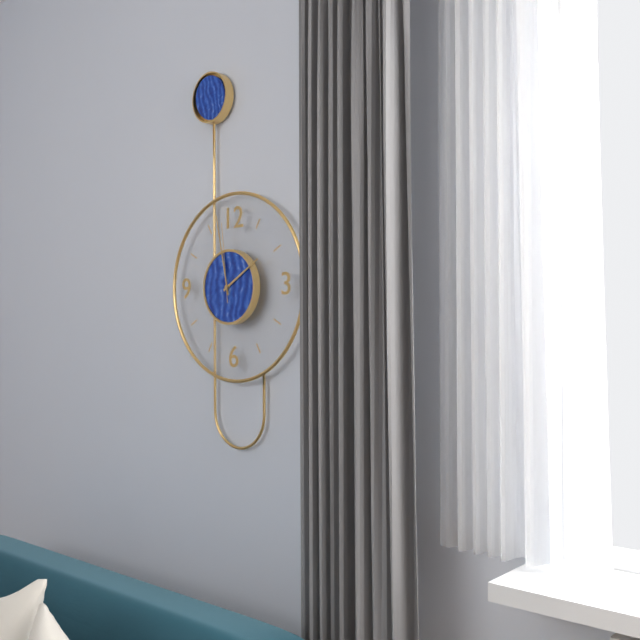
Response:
h=1 m=58 s=59
